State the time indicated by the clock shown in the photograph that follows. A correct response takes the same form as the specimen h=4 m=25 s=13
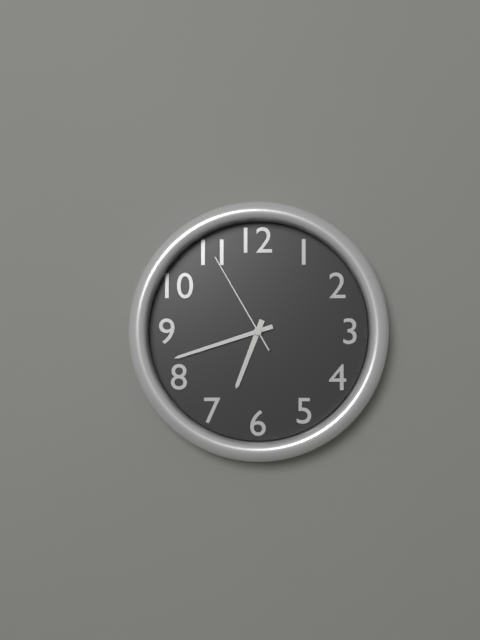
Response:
h=6 m=42 s=55
